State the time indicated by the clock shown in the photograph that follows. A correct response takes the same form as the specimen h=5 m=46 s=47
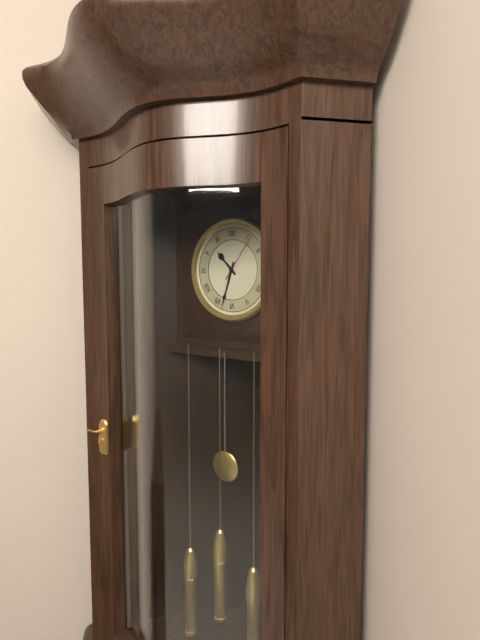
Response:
h=10 m=33 s=6
